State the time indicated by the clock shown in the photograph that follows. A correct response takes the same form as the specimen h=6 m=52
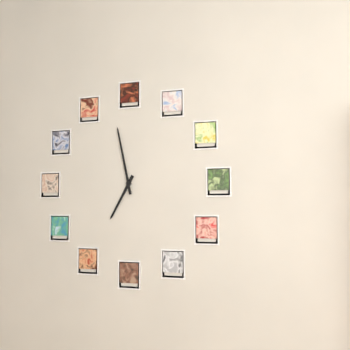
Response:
h=6 m=58
